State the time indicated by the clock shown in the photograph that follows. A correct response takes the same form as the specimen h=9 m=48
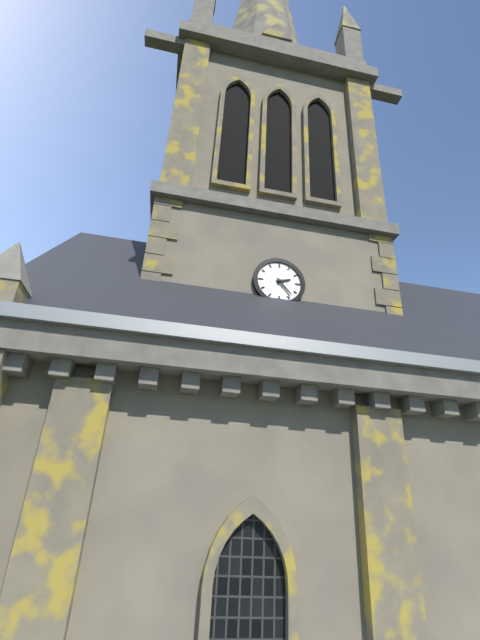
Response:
h=2 m=23
